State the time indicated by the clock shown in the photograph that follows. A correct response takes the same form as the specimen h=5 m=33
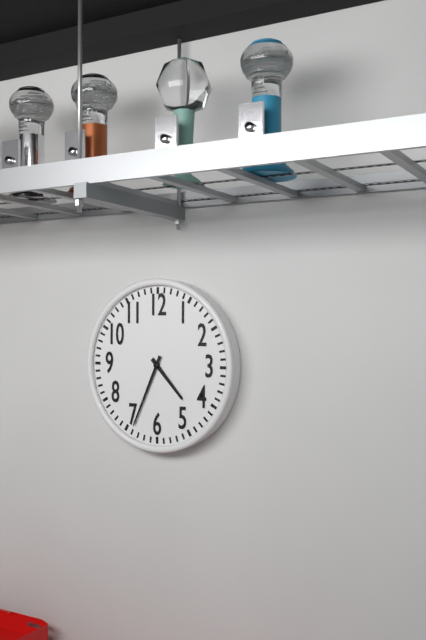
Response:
h=4 m=34
